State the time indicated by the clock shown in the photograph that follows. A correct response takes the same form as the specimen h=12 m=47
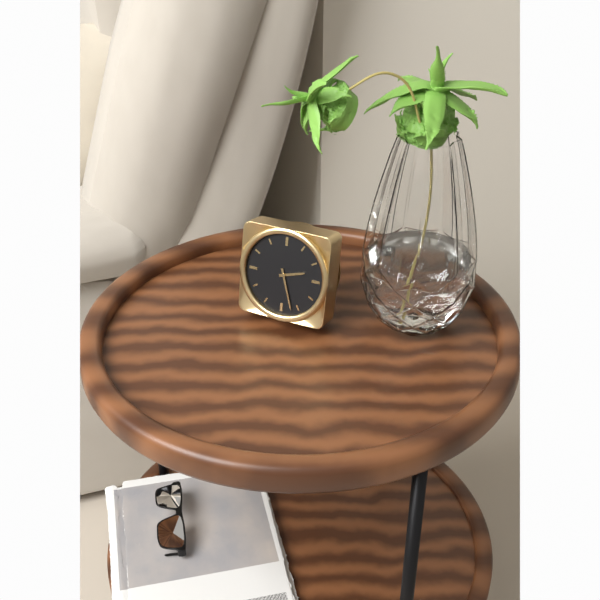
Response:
h=2 m=27
